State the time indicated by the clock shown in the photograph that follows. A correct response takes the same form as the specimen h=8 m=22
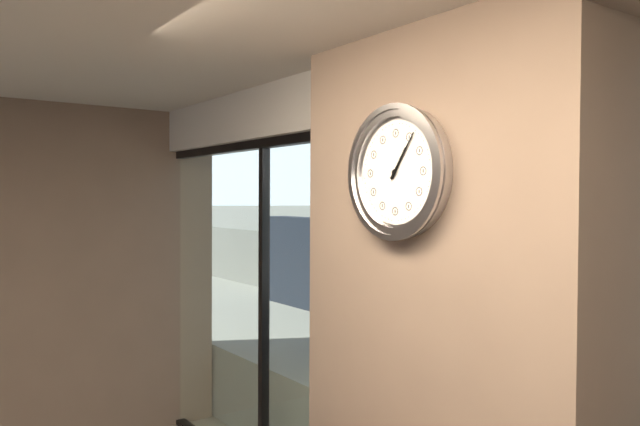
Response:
h=1 m=6
